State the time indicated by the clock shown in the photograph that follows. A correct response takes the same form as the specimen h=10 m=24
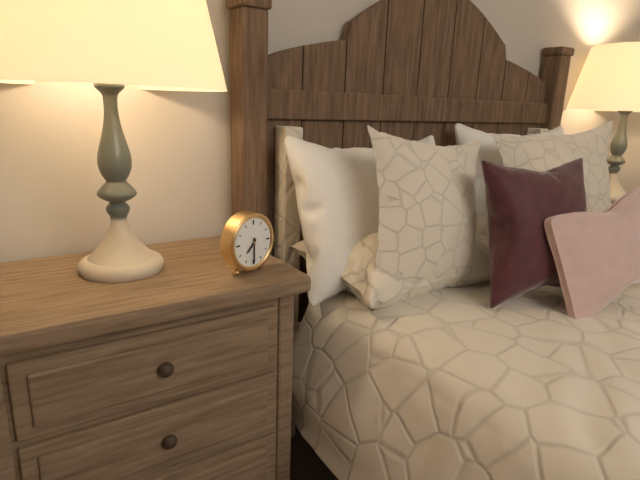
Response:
h=7 m=30
